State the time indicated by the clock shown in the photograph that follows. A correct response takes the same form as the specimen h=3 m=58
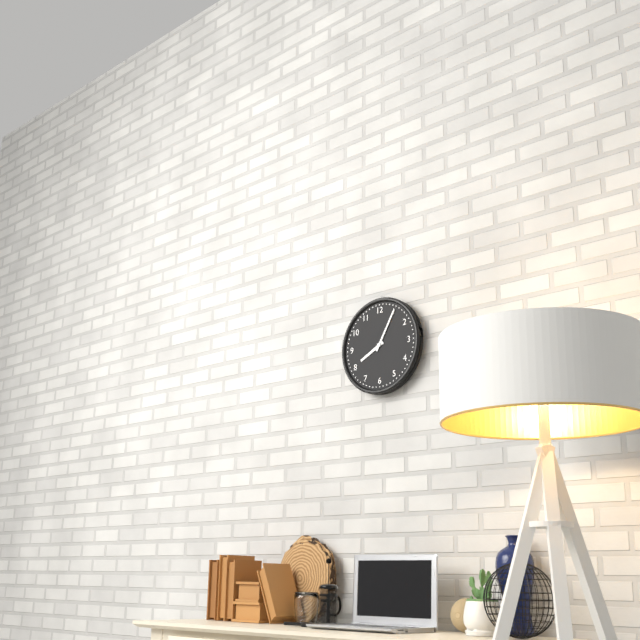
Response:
h=8 m=5
